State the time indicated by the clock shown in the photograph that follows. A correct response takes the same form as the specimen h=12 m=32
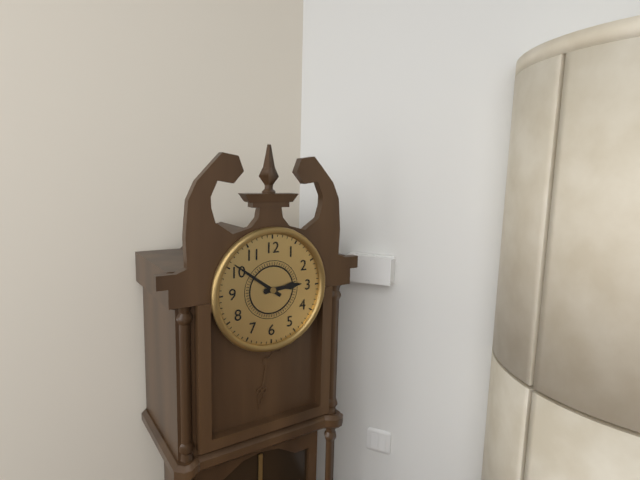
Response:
h=2 m=51
